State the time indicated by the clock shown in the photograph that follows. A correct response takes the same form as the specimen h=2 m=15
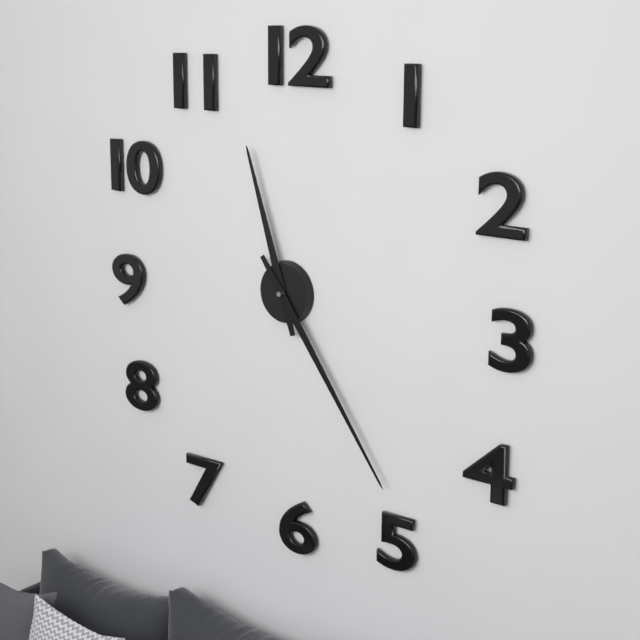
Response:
h=11 m=24
